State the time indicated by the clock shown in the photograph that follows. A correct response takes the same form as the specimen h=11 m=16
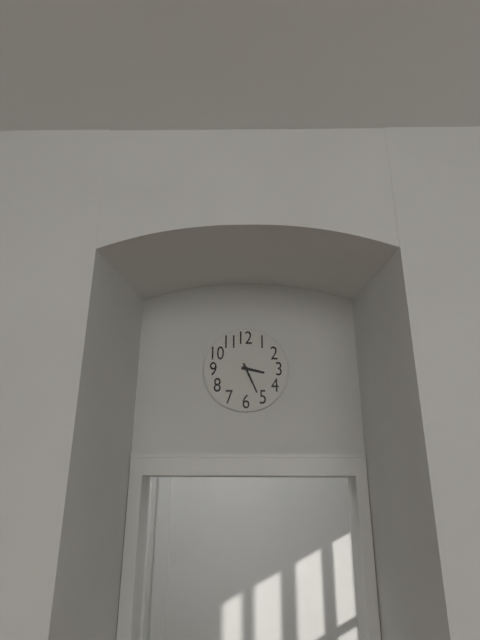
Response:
h=3 m=26
